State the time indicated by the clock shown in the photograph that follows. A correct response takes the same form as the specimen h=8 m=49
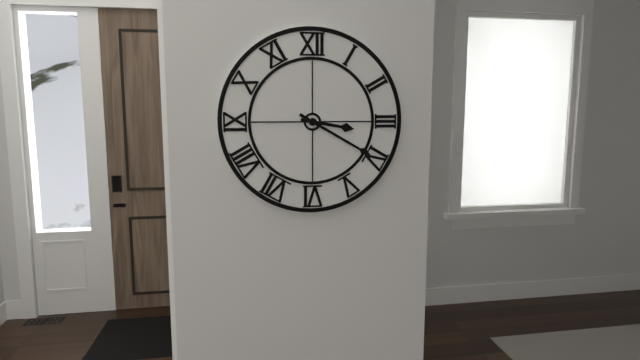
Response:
h=3 m=20
